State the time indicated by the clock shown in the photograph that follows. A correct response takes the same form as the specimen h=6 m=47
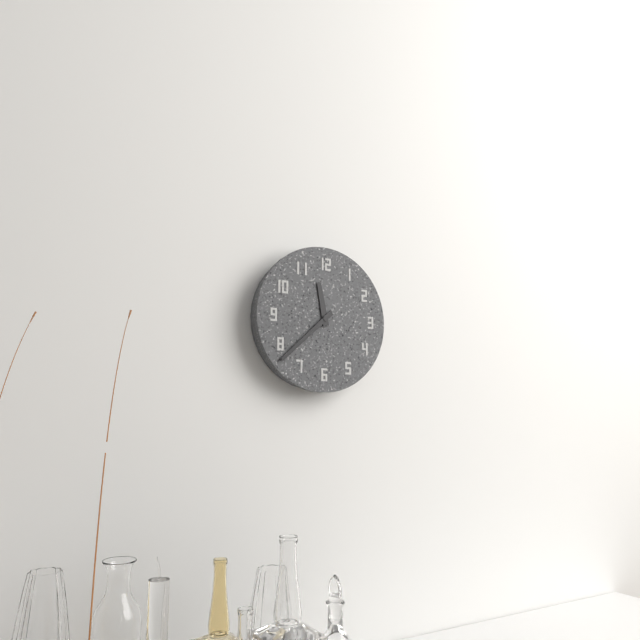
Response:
h=11 m=38
